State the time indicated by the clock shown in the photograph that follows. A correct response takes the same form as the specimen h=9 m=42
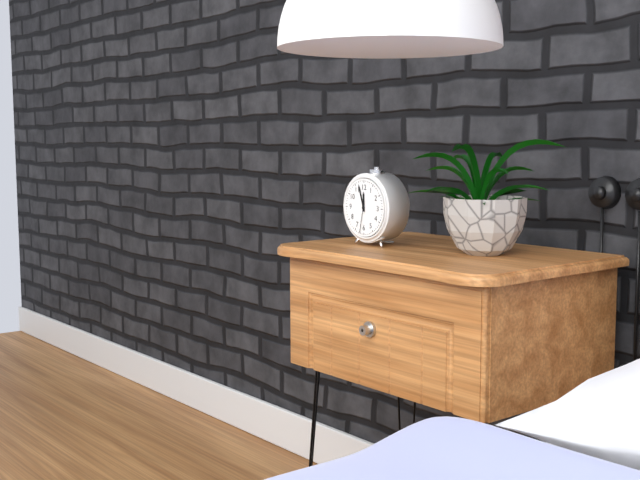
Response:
h=11 m=57
